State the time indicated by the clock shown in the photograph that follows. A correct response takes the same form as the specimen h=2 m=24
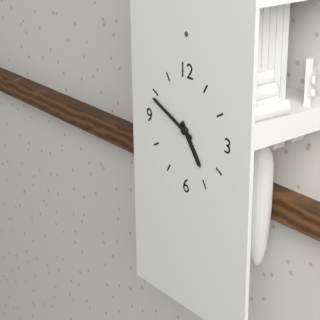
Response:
h=4 m=49
